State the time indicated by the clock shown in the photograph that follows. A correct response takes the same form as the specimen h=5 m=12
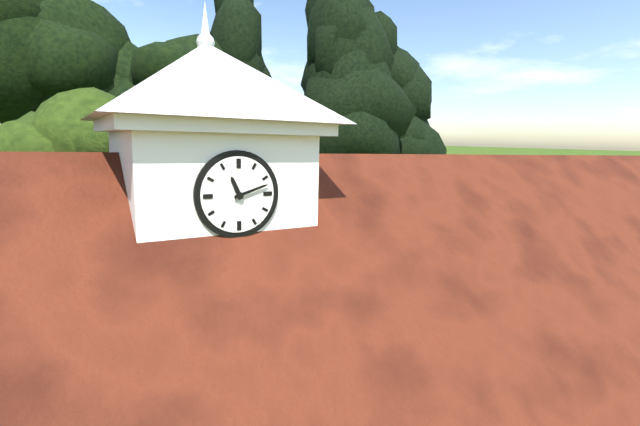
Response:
h=11 m=12
